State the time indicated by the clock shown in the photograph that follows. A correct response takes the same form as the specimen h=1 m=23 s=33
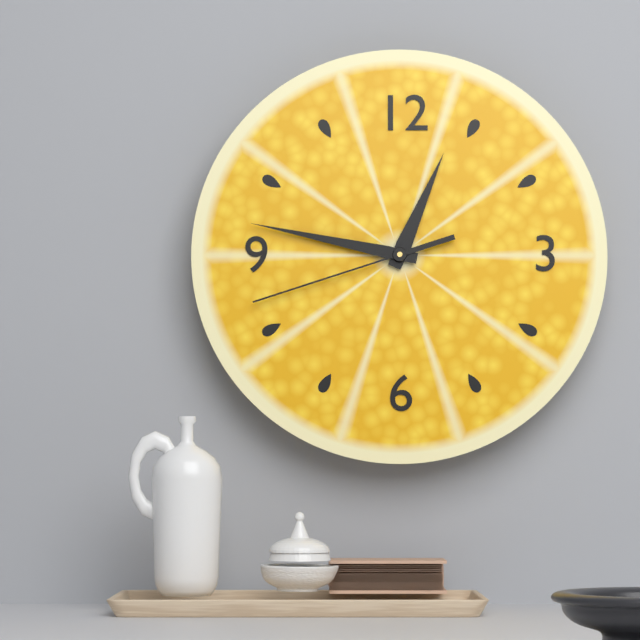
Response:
h=12 m=47 s=42
